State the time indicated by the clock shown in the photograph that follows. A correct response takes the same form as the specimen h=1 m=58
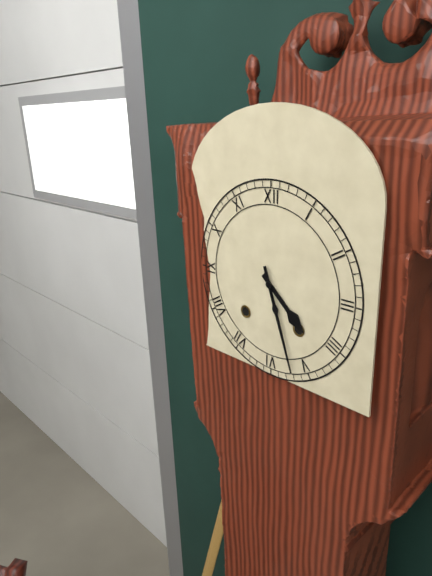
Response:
h=4 m=27
